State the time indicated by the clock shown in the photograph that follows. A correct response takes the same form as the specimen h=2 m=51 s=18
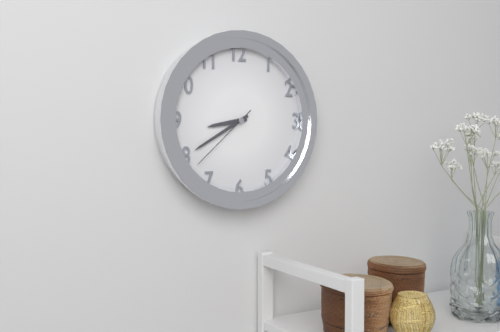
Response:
h=8 m=40 s=38
